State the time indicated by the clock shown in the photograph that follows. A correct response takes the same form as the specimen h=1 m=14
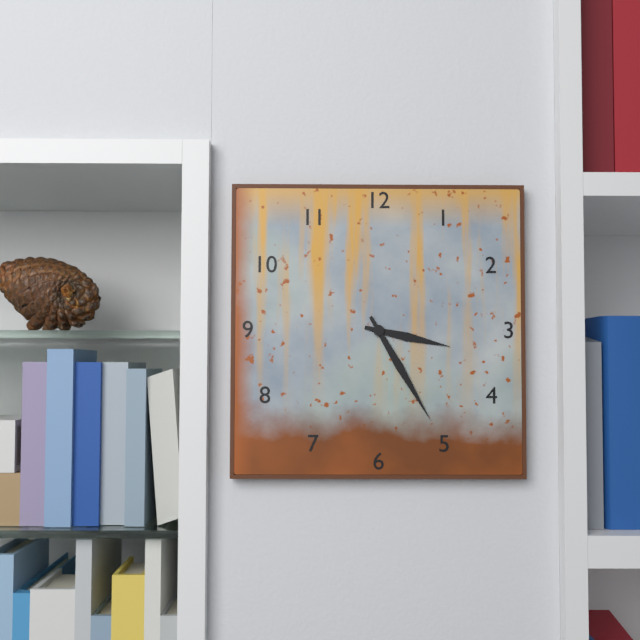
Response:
h=3 m=25
